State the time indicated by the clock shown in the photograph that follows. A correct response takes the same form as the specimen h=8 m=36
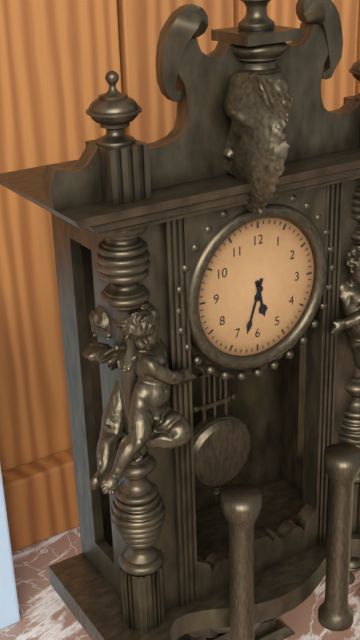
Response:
h=5 m=33
